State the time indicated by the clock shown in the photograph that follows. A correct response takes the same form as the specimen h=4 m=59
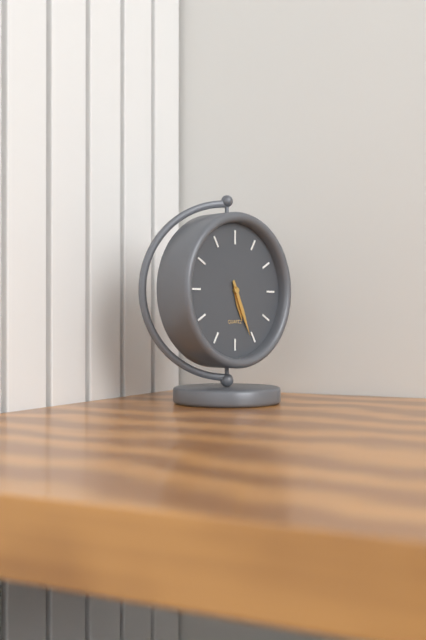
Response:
h=5 m=26
